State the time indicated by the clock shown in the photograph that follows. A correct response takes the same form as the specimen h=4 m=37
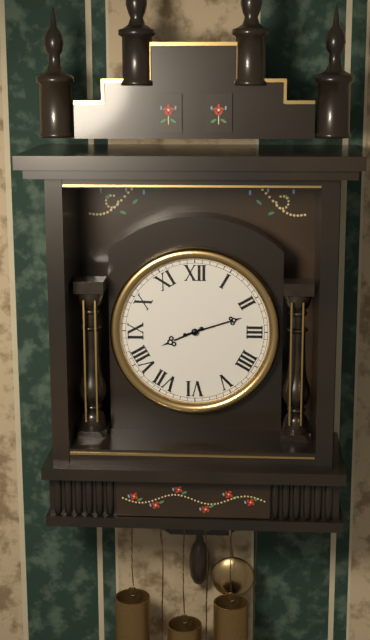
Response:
h=8 m=12
